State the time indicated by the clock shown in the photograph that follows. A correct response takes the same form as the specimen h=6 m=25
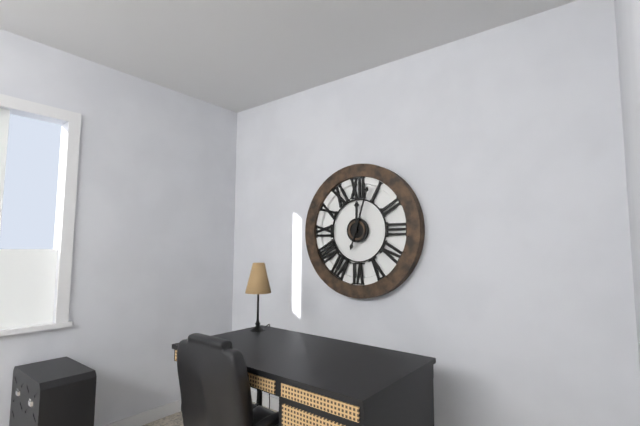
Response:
h=12 m=3
